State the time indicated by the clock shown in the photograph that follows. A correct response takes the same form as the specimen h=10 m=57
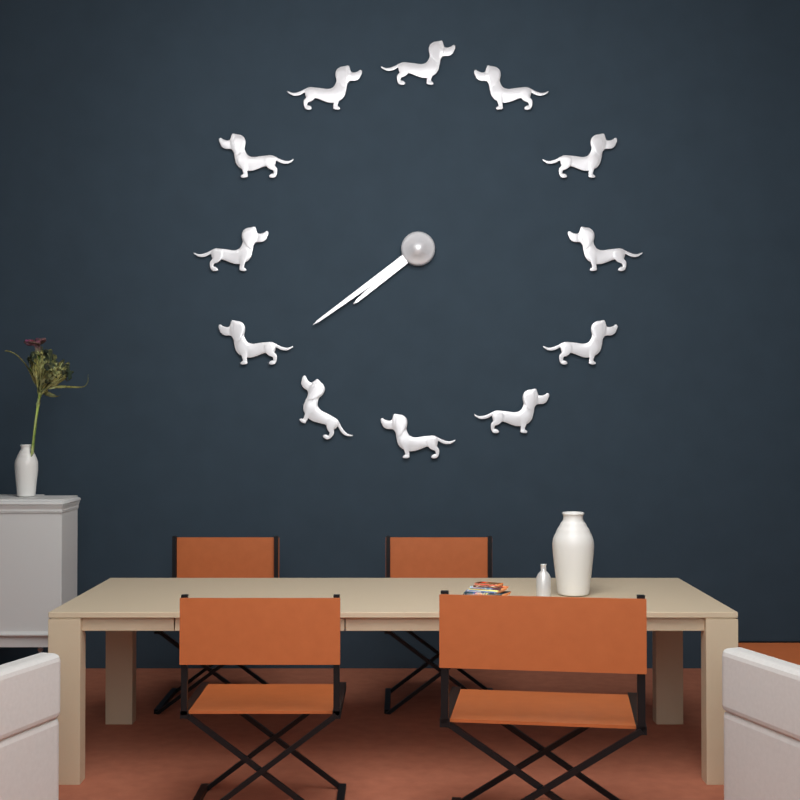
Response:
h=7 m=39
